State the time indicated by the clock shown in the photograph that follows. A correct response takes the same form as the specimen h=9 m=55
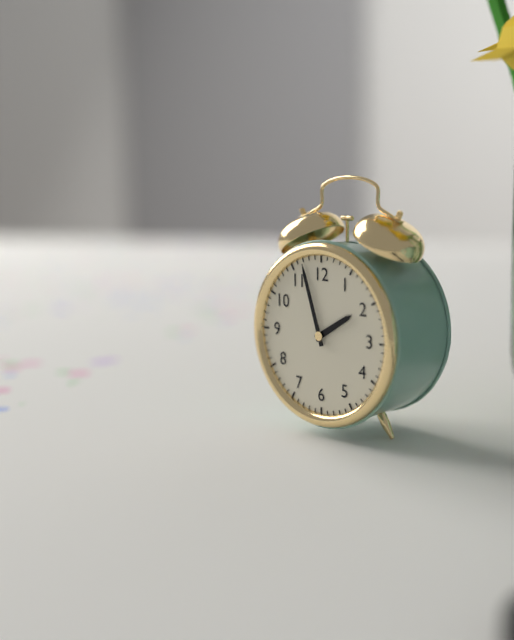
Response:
h=1 m=57
